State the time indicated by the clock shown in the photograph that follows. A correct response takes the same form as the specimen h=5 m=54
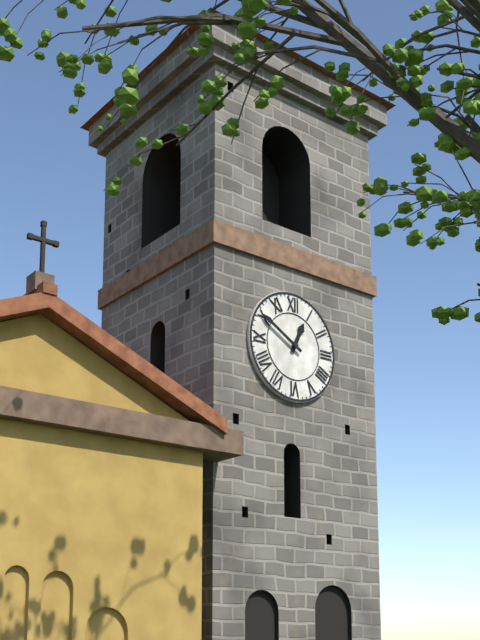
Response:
h=12 m=50
